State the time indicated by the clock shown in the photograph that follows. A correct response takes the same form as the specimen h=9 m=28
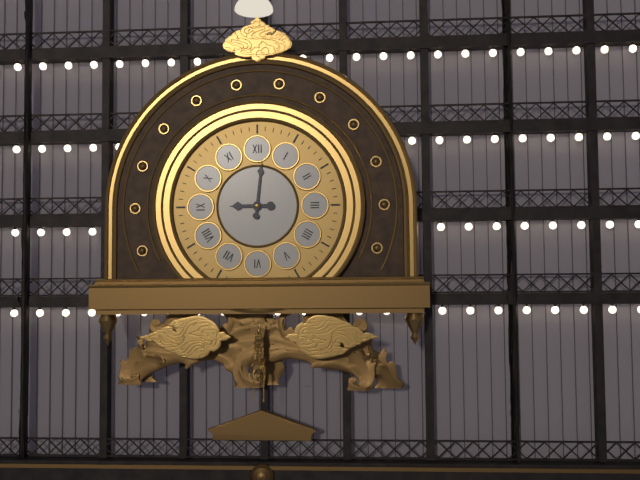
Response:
h=9 m=1
